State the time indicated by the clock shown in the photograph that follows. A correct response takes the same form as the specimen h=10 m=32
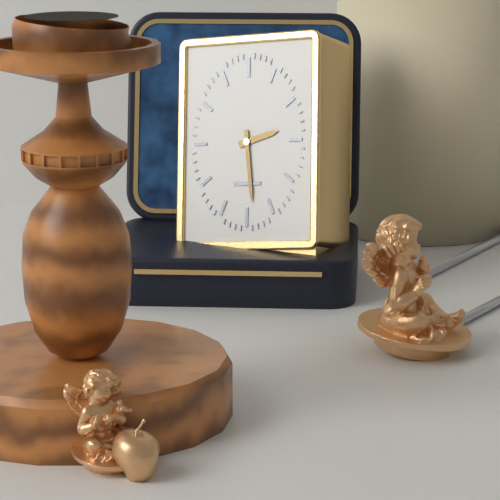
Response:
h=2 m=29
